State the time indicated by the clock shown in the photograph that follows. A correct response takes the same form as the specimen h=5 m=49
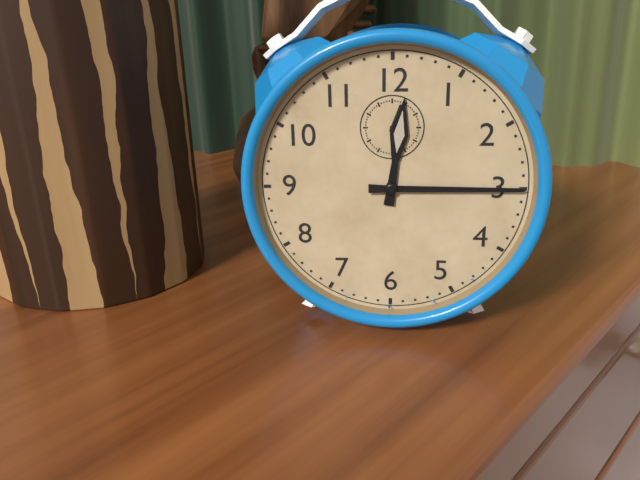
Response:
h=12 m=15
